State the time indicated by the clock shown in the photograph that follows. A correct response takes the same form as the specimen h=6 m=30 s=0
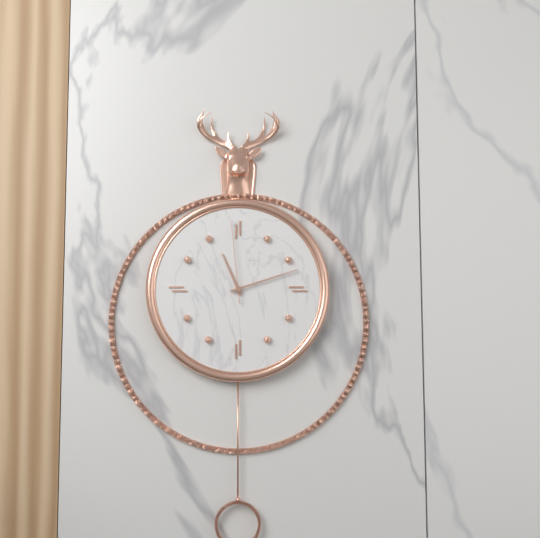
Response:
h=11 m=12 s=59
